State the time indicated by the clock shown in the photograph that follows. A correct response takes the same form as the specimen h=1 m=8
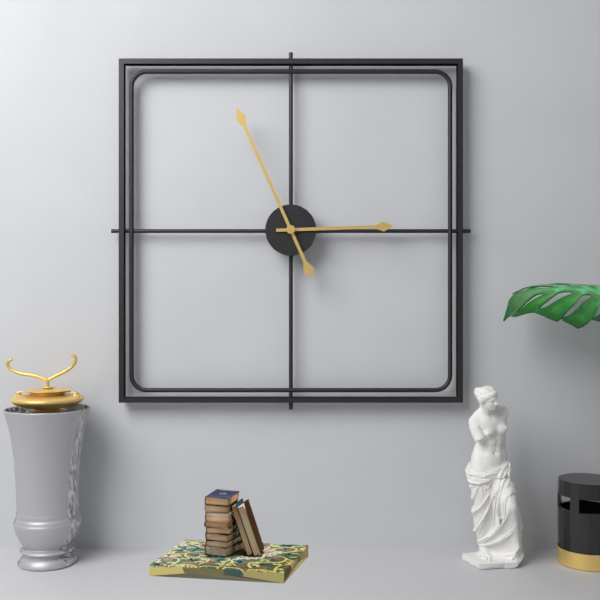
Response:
h=2 m=56
